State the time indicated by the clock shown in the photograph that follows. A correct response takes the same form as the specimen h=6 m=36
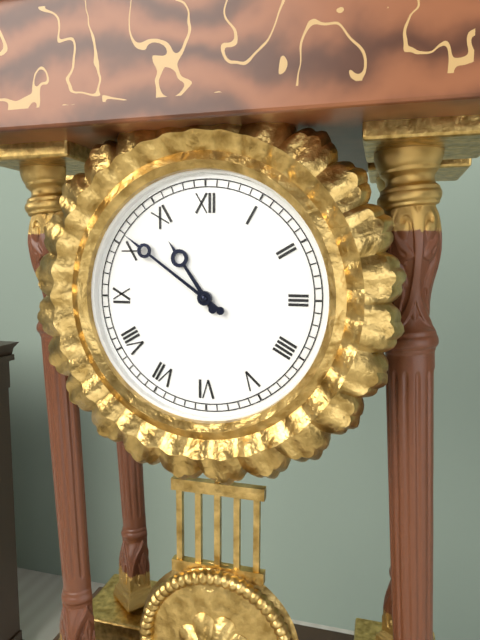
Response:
h=10 m=51
